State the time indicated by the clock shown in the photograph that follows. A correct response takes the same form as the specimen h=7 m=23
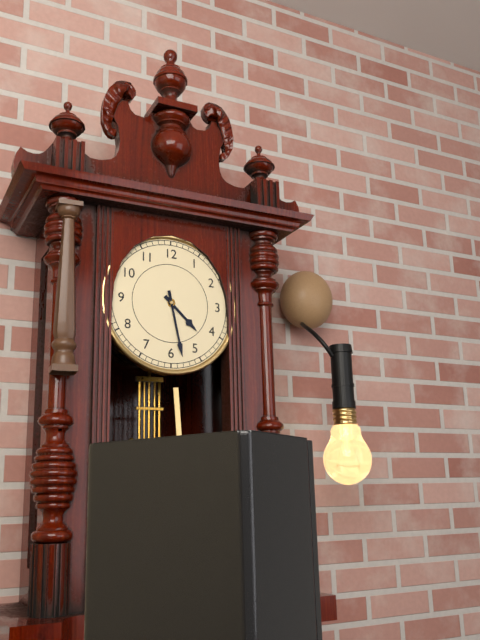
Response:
h=4 m=28
